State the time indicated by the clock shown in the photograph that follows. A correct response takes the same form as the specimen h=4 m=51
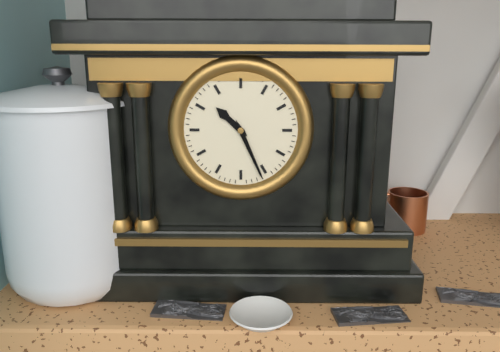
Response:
h=10 m=26
